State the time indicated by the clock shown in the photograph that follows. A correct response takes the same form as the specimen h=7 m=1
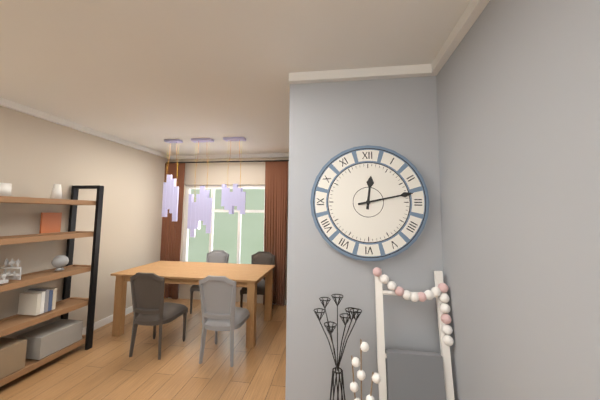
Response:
h=12 m=13
